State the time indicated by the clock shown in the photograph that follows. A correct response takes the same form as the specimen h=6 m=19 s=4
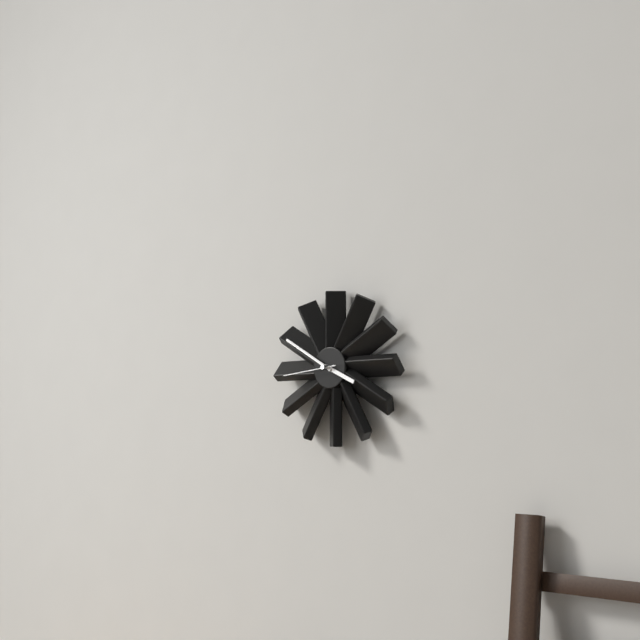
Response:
h=3 m=50 s=44
